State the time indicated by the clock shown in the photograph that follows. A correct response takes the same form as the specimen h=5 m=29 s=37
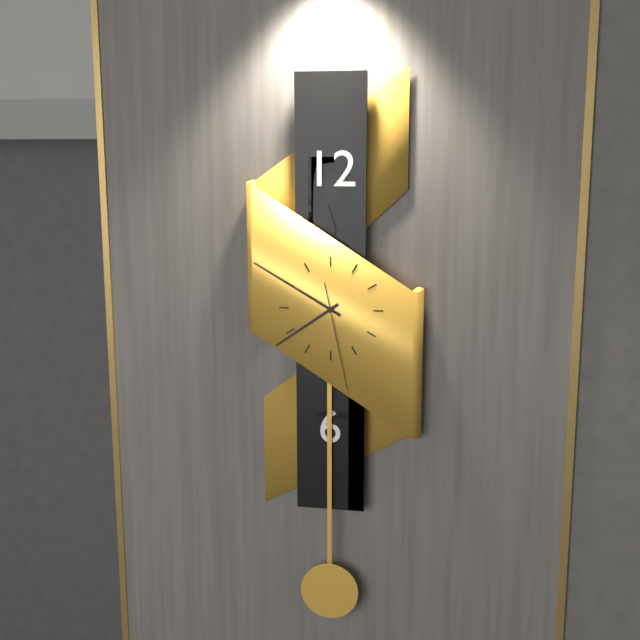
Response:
h=7 m=50 s=28
